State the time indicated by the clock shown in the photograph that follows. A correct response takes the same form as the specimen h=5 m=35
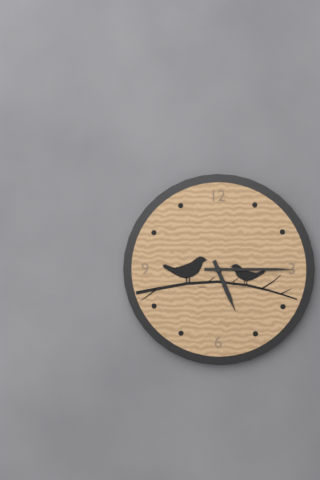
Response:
h=5 m=15
